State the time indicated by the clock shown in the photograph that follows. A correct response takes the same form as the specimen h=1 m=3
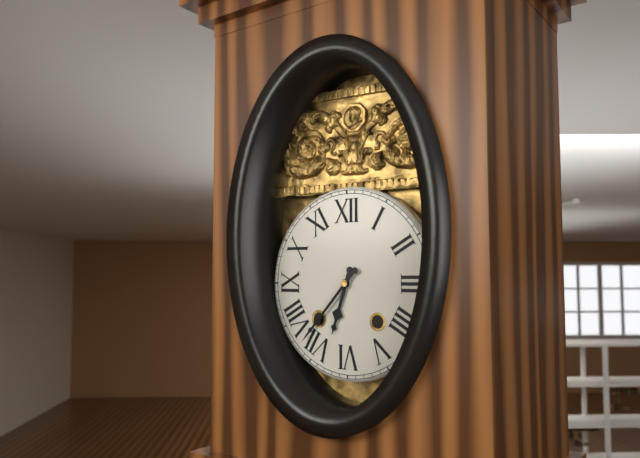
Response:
h=6 m=37
